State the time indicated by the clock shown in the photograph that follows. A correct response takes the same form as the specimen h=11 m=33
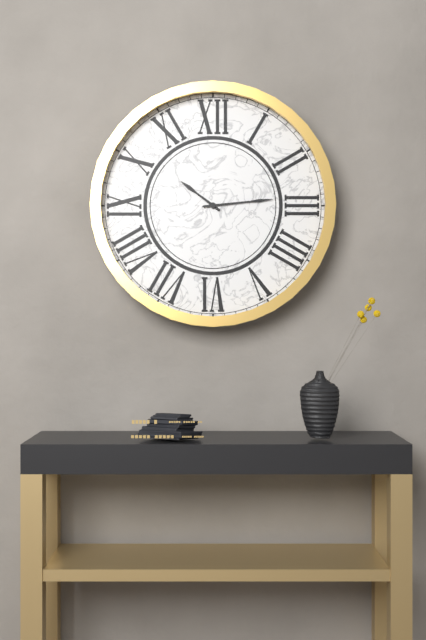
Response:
h=10 m=14
